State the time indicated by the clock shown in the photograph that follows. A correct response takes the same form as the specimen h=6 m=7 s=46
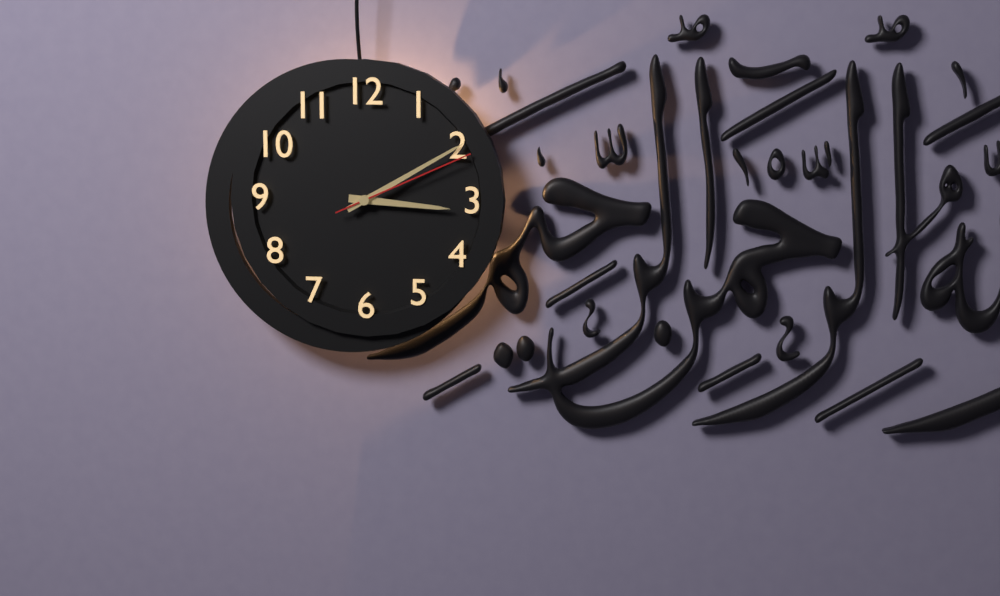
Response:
h=3 m=10 s=11
